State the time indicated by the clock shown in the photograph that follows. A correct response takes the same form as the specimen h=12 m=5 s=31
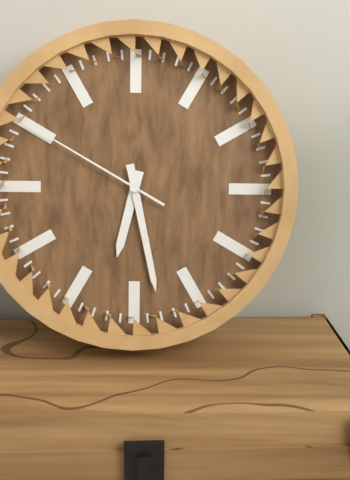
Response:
h=6 m=28 s=50
